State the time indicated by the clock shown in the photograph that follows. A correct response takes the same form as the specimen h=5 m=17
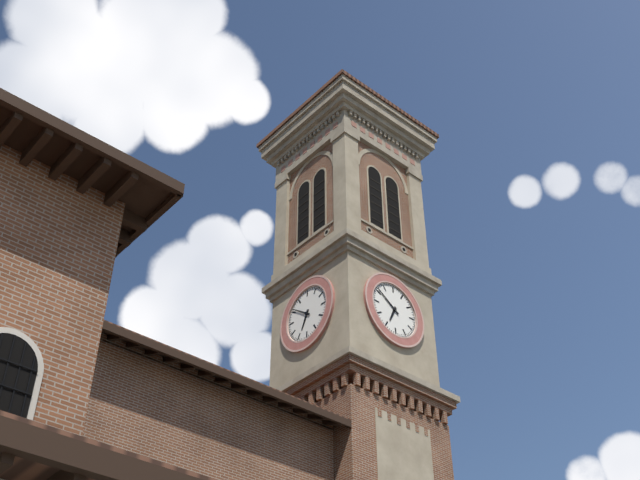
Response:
h=6 m=51
